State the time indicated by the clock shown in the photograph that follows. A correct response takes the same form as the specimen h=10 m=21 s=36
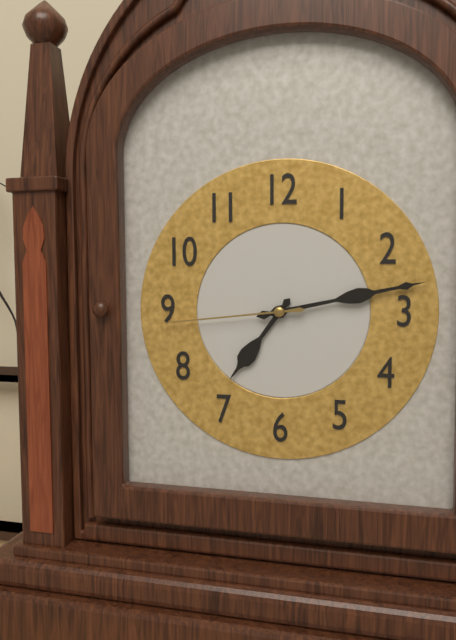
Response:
h=7 m=13 s=44
